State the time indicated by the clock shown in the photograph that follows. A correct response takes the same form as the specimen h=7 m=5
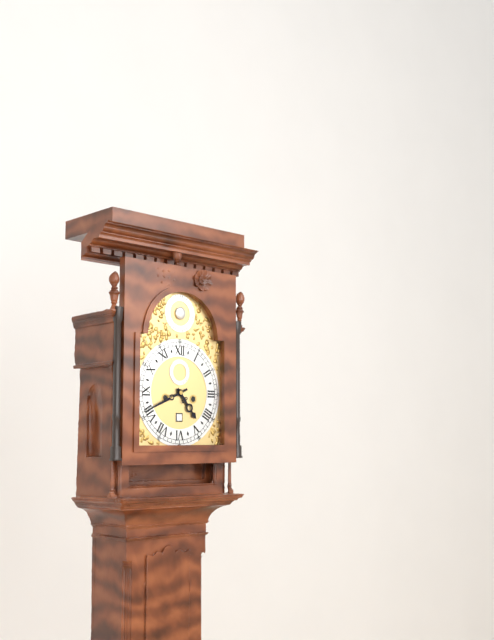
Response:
h=4 m=41
